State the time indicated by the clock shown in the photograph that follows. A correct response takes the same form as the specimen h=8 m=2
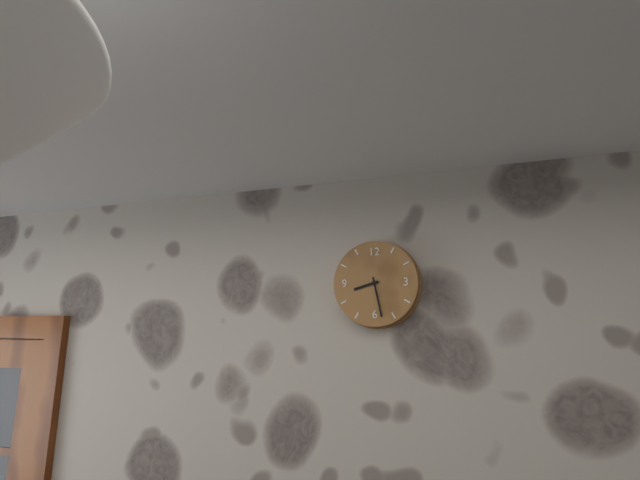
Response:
h=8 m=28
